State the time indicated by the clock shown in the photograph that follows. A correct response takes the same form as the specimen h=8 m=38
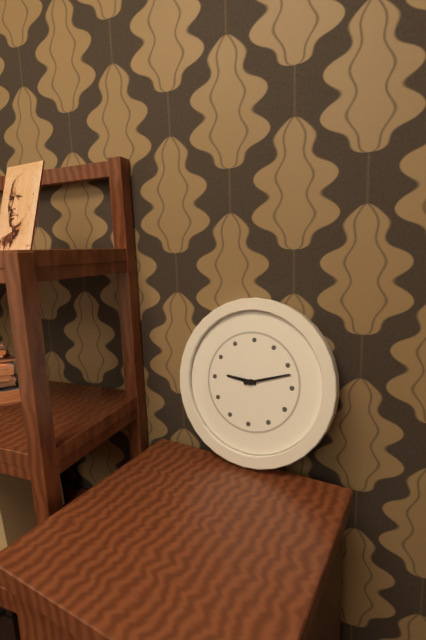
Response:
h=9 m=12
